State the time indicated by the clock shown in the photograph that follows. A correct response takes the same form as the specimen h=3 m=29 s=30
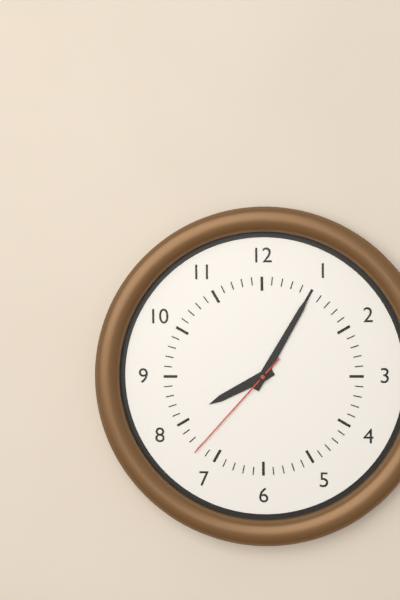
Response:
h=8 m=5 s=37
